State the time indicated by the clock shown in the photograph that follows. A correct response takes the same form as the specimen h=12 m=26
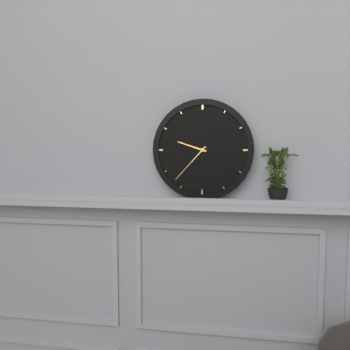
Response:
h=9 m=37
